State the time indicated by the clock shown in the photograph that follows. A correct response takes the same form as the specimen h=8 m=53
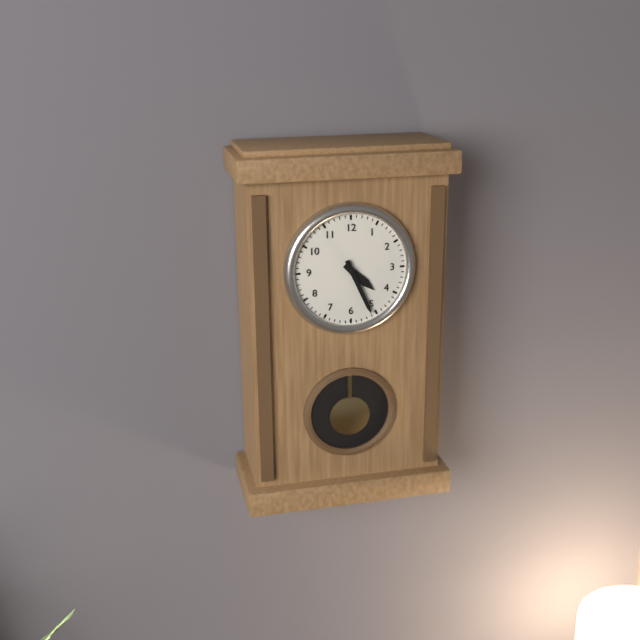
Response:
h=4 m=26
